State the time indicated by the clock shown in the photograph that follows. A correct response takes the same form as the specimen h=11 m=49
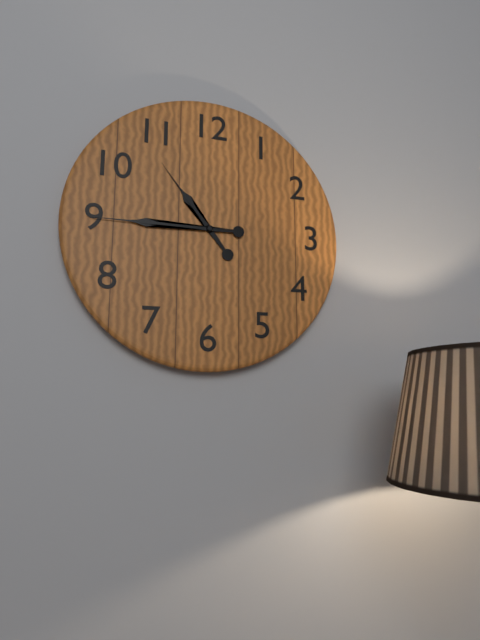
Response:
h=10 m=45
